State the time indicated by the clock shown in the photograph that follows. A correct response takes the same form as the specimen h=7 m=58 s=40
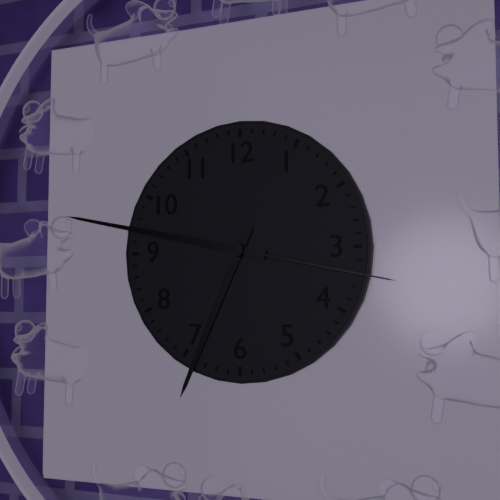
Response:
h=6 m=47 s=17
